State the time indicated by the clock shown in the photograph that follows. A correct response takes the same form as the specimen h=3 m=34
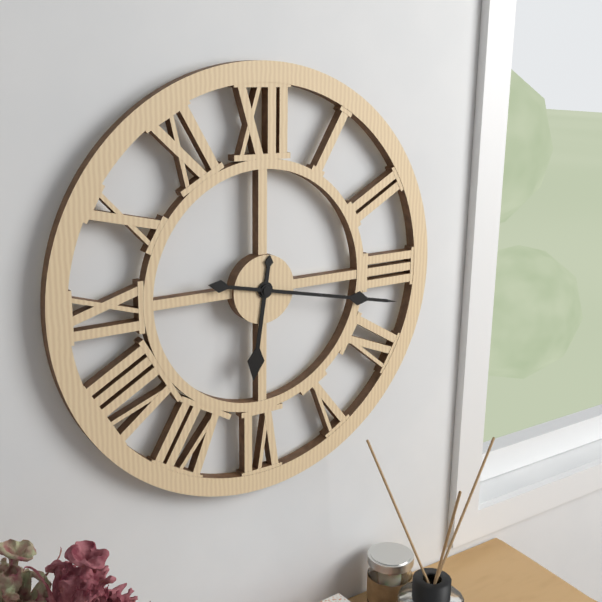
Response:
h=6 m=17
